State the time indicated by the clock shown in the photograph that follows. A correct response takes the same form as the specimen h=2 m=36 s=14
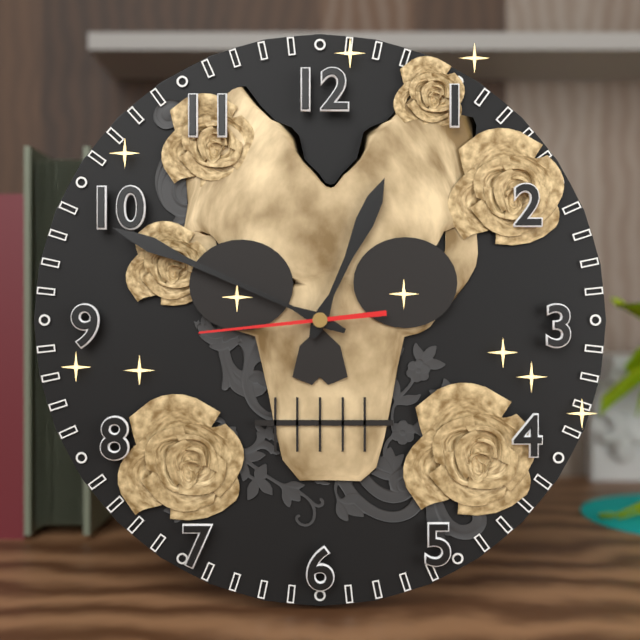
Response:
h=12 m=49 s=44
